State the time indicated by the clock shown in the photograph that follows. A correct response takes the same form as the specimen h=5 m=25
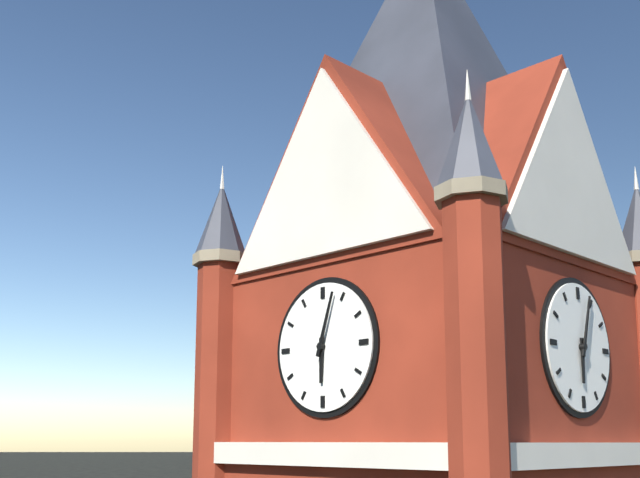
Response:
h=6 m=3
